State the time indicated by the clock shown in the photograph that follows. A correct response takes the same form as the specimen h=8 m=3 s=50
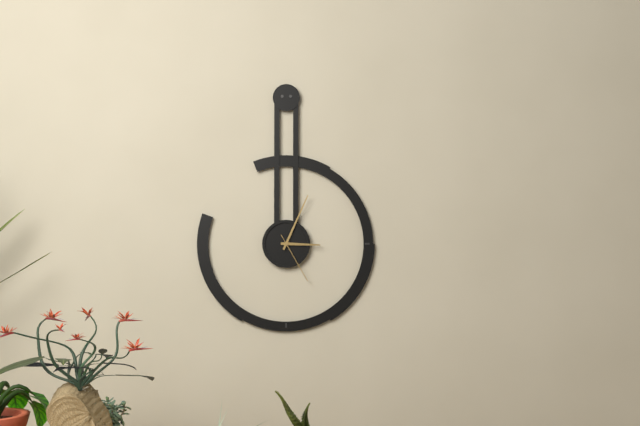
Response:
h=3 m=4 s=25
